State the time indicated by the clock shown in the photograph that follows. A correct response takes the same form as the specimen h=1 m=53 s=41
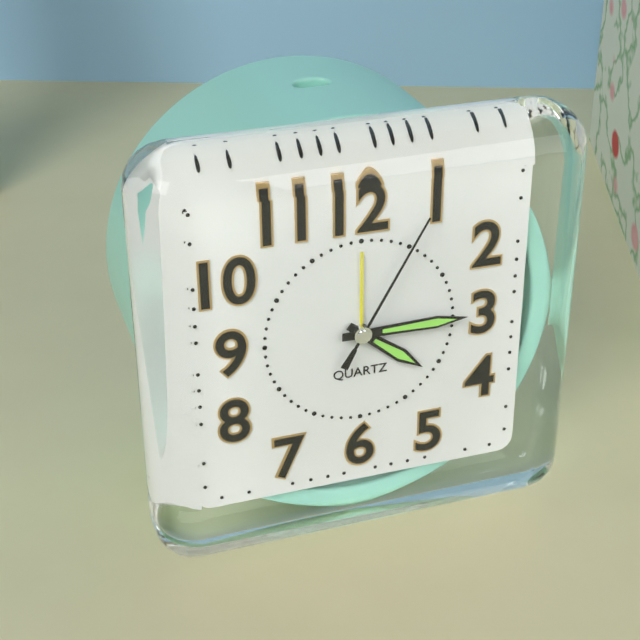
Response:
h=4 m=15 s=5
